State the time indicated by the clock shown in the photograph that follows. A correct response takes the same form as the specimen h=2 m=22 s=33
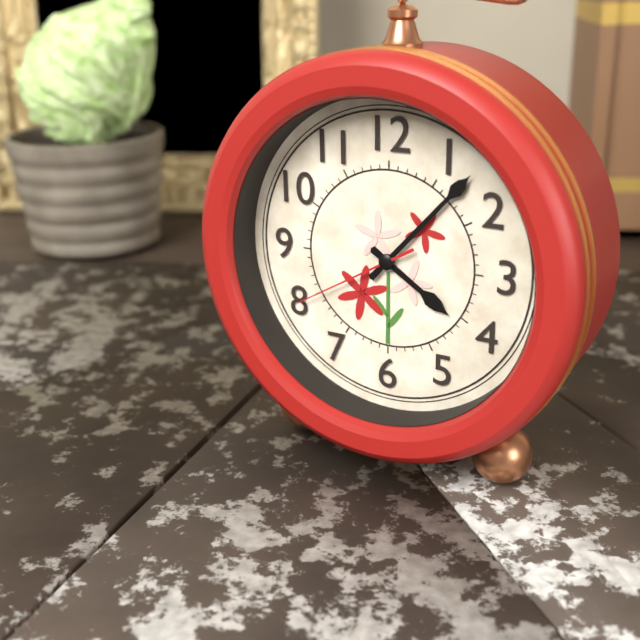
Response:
h=4 m=7 s=40
